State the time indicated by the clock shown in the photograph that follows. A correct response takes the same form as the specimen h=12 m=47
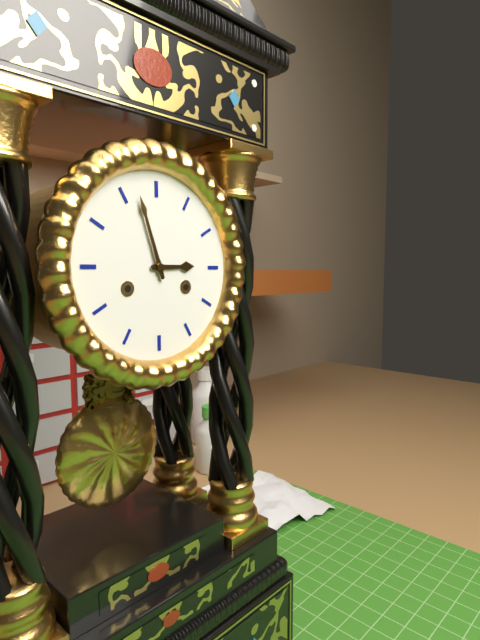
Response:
h=2 m=57
